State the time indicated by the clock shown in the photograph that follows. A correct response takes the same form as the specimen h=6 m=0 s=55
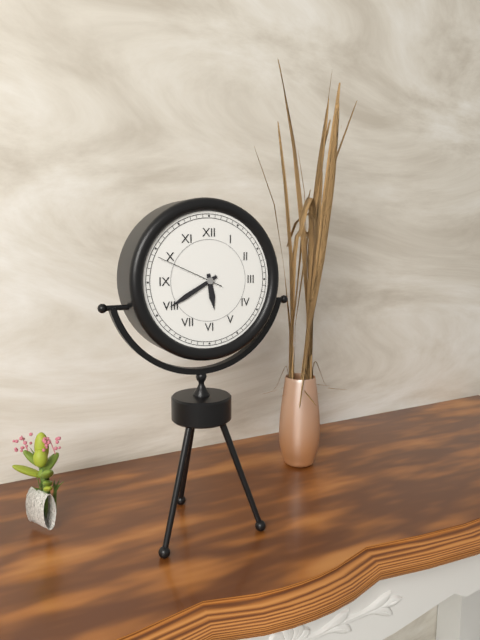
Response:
h=5 m=40 s=49
